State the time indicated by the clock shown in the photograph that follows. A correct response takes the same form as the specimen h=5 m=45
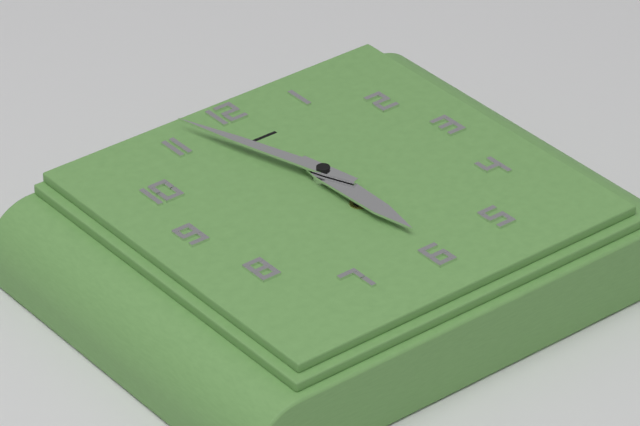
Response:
h=5 m=57
